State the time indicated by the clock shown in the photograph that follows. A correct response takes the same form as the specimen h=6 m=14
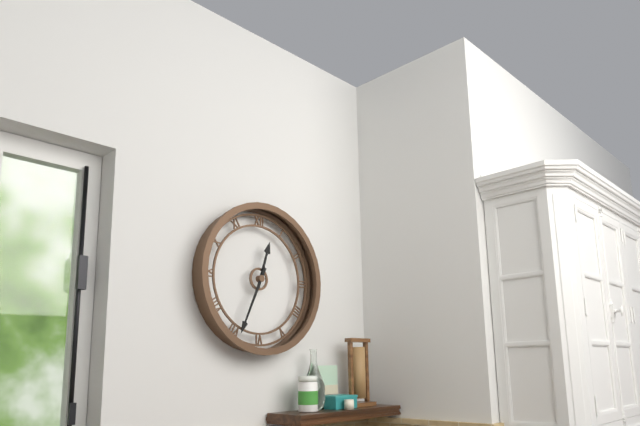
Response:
h=12 m=34
